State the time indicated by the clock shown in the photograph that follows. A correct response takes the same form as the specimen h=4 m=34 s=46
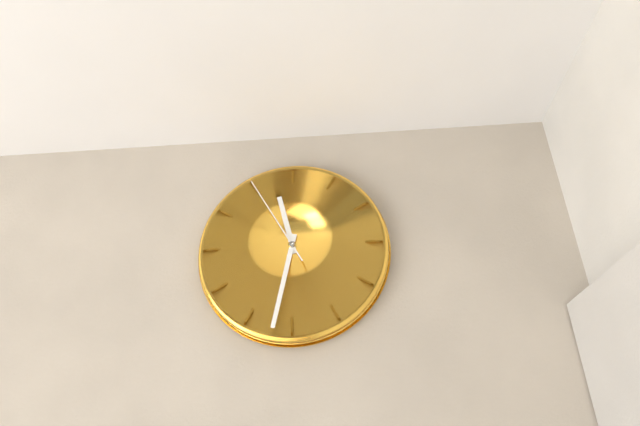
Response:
h=11 m=32 s=55
